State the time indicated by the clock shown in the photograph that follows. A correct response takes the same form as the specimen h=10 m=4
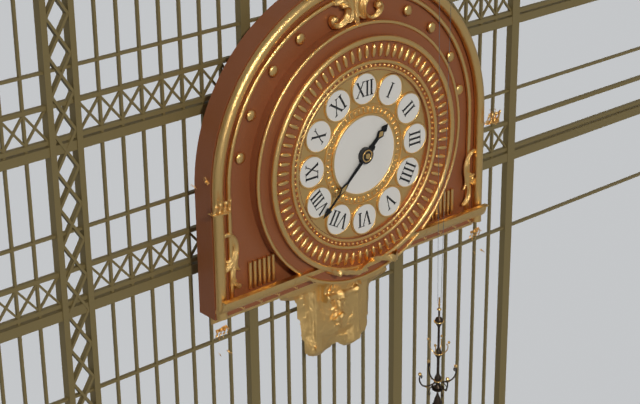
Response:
h=1 m=38
